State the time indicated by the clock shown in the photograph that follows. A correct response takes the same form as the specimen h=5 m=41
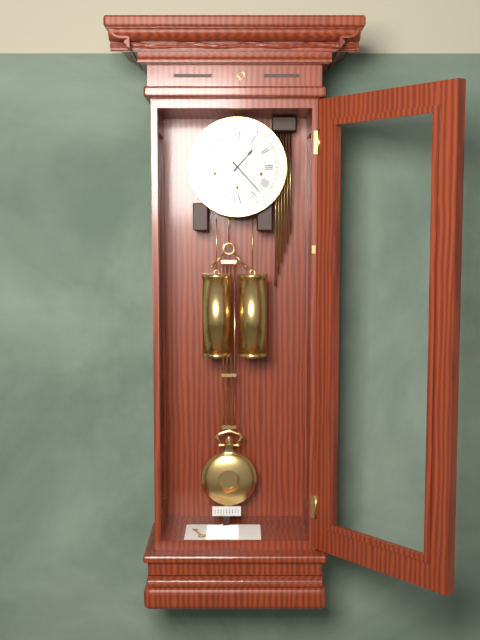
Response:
h=1 m=23
